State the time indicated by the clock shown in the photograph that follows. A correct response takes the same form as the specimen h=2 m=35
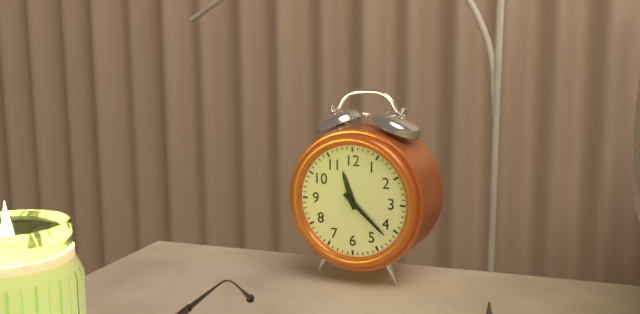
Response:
h=11 m=22
